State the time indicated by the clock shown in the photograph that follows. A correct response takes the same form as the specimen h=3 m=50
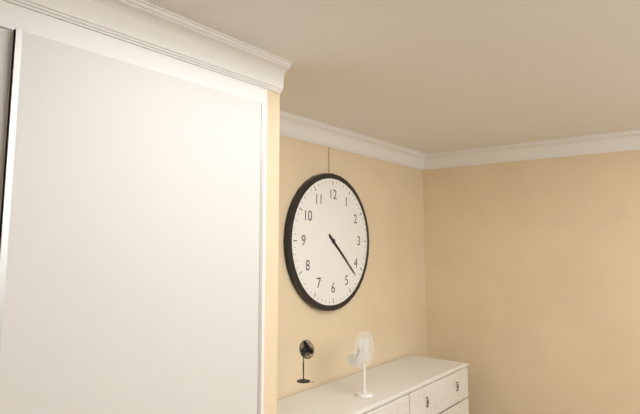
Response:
h=4 m=22
